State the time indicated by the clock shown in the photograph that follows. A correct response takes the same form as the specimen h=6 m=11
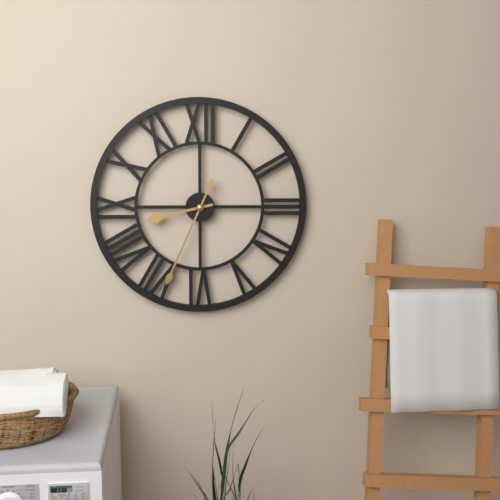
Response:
h=8 m=34
